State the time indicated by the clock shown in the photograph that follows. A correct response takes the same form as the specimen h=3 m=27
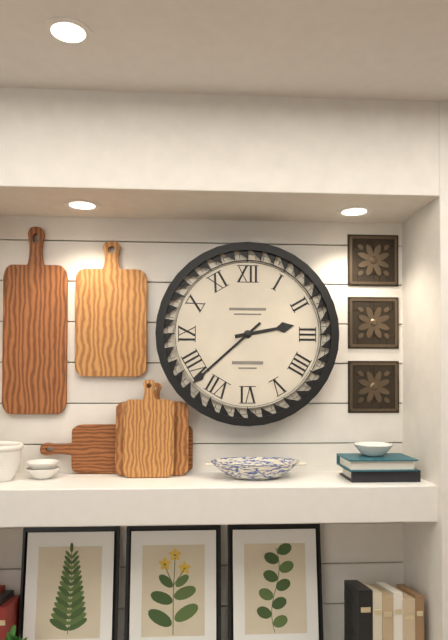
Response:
h=2 m=38
